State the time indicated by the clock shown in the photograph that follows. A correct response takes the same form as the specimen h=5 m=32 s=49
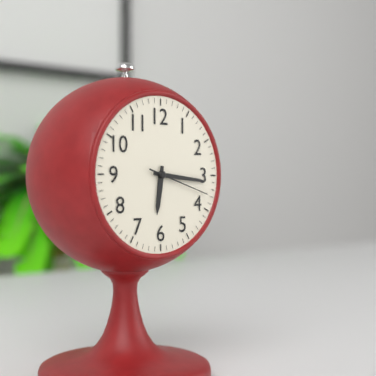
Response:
h=6 m=16 s=18
